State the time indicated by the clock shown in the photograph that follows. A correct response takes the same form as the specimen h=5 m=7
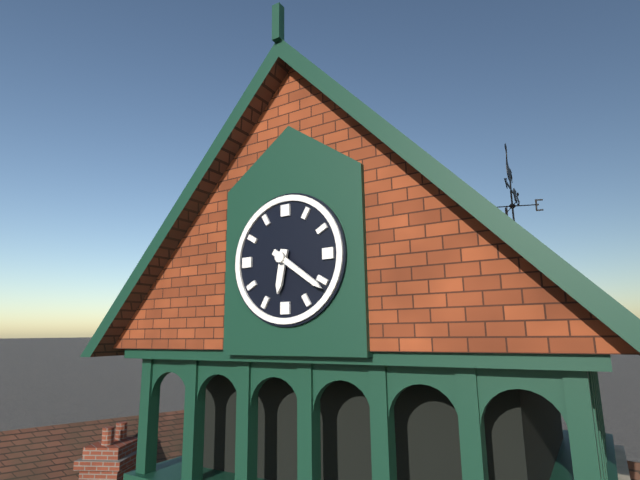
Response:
h=6 m=21
